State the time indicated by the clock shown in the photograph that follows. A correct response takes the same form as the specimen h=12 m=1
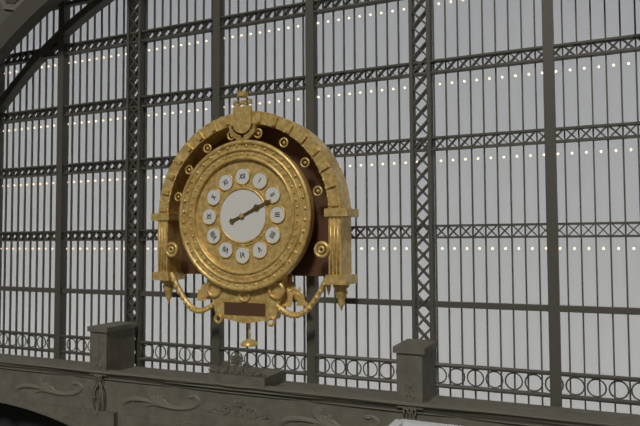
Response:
h=2 m=11
